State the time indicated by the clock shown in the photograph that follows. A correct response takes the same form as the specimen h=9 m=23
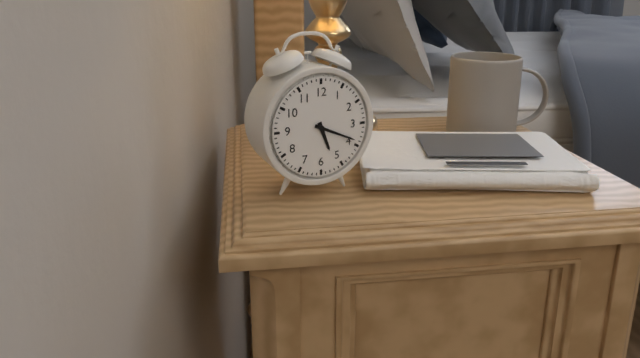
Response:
h=5 m=19
